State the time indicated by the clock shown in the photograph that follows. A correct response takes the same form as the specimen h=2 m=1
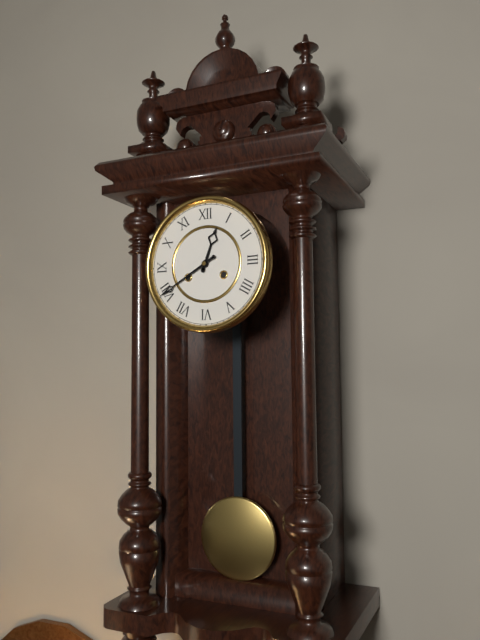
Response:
h=12 m=40
